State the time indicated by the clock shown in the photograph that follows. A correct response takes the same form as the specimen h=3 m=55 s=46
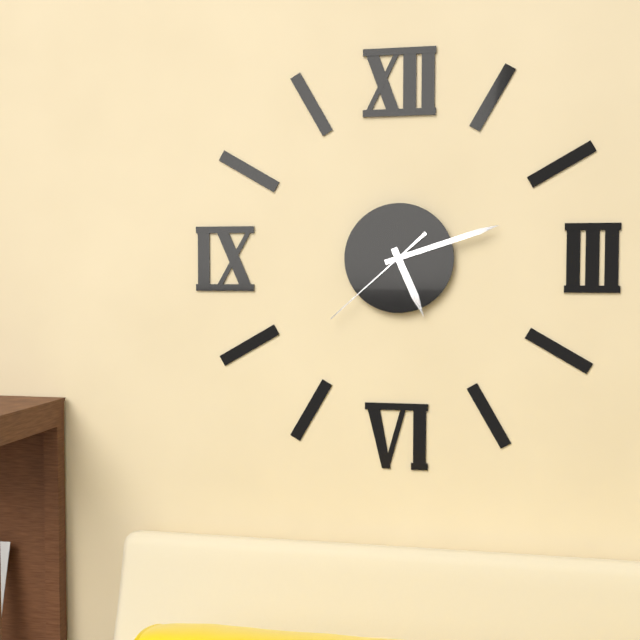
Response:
h=5 m=12 s=38
